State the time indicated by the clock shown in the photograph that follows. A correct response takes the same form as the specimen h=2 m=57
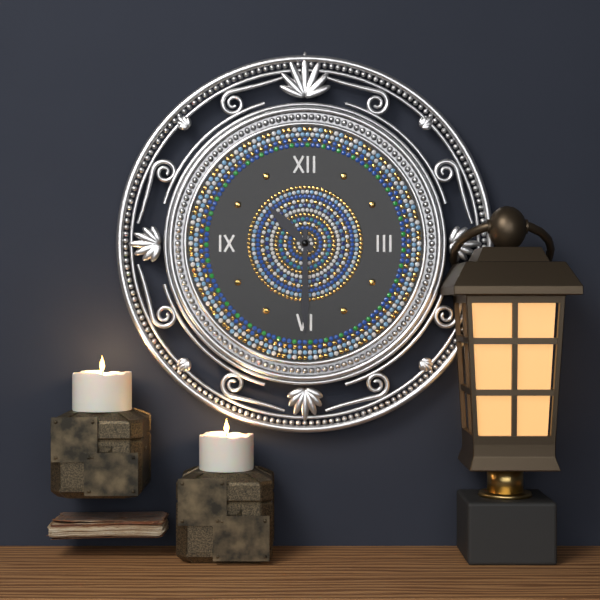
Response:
h=10 m=30
